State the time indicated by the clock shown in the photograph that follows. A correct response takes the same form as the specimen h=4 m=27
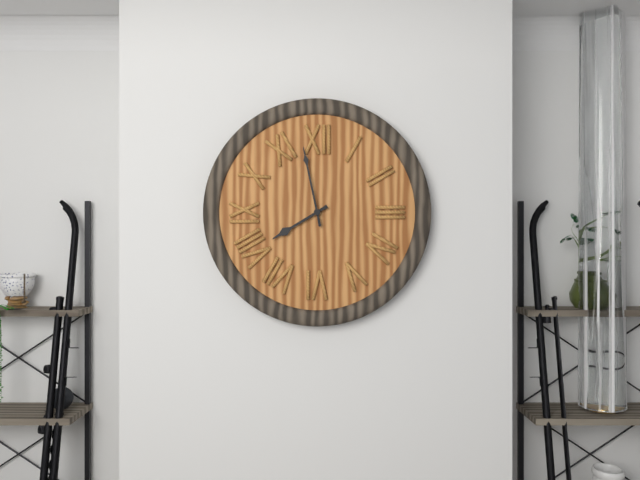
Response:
h=7 m=58
